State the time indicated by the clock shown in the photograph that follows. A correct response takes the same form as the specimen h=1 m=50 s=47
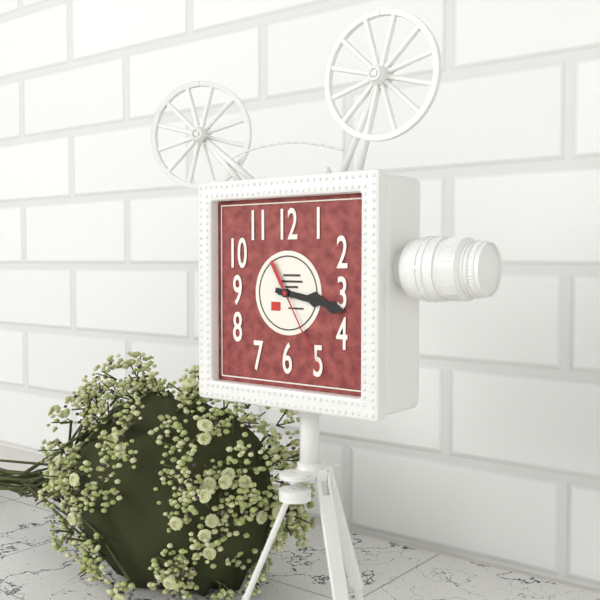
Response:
h=3 m=17 s=25
